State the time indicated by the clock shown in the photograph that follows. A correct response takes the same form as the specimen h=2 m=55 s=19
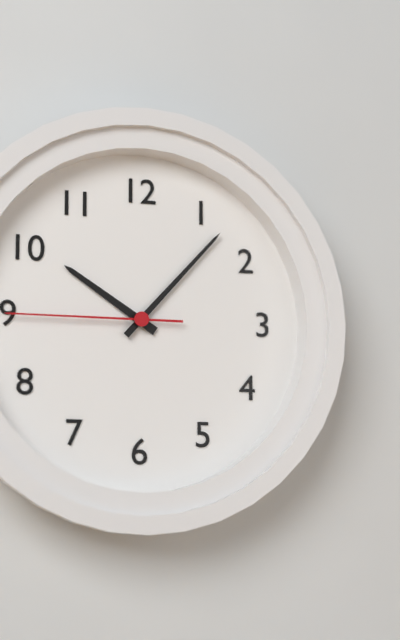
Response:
h=10 m=7 s=45
